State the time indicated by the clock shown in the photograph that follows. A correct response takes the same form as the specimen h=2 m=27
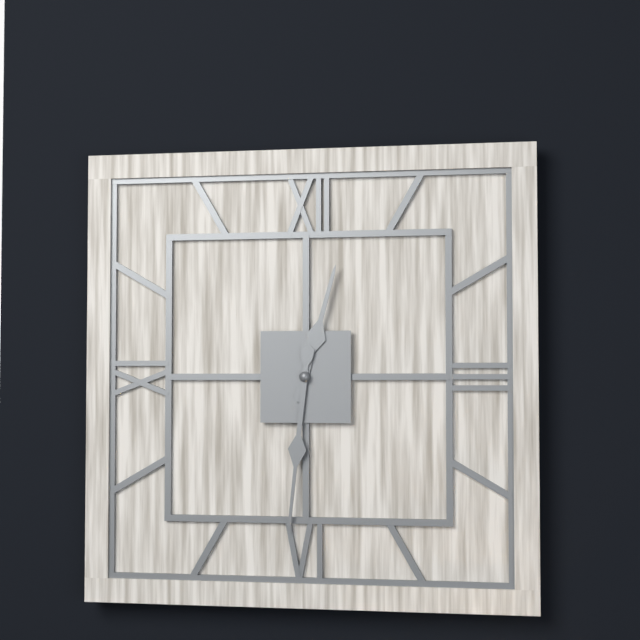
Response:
h=12 m=31
